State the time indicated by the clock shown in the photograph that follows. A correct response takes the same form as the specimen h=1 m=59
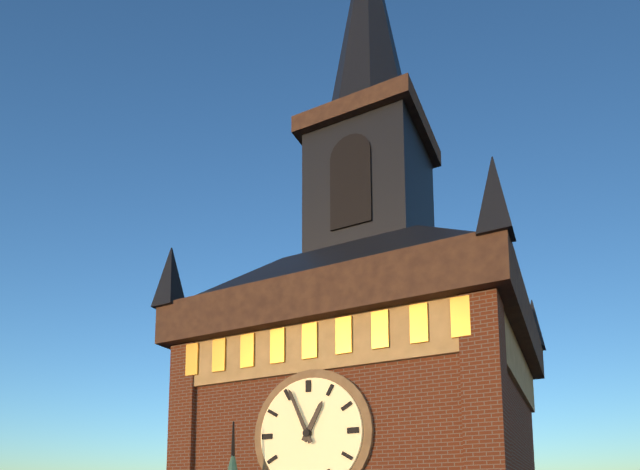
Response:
h=12 m=56
